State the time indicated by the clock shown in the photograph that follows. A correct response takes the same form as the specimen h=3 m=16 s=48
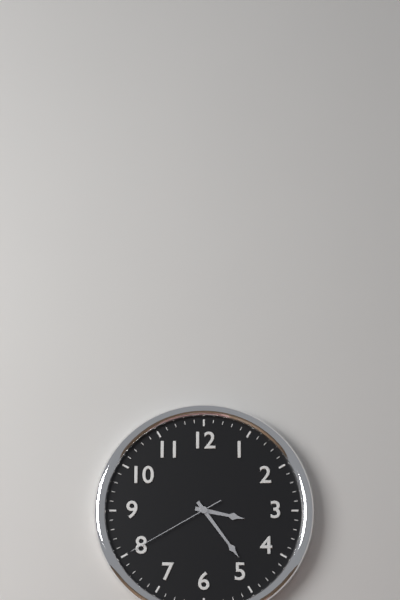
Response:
h=3 m=24 s=40
